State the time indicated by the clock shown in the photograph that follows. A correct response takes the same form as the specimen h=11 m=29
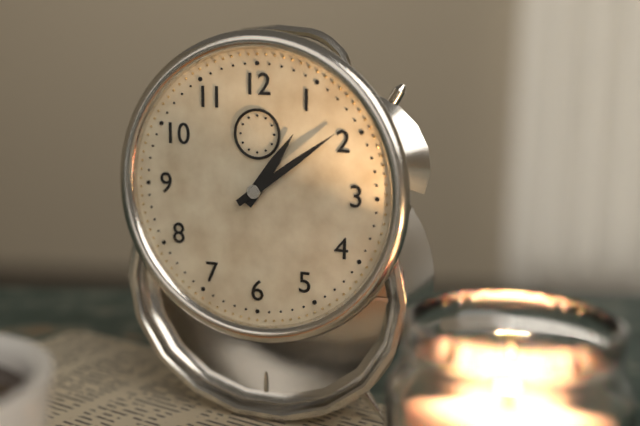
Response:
h=1 m=9
